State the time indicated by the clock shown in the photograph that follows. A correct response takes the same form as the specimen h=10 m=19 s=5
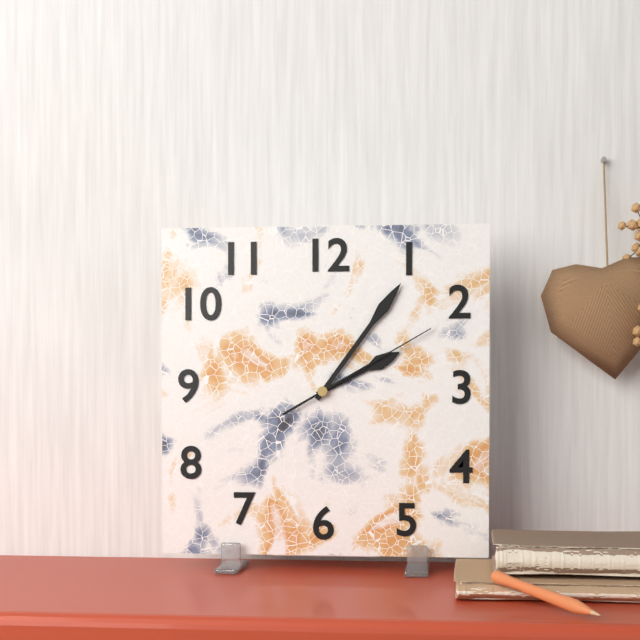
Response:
h=2 m=6 s=10
